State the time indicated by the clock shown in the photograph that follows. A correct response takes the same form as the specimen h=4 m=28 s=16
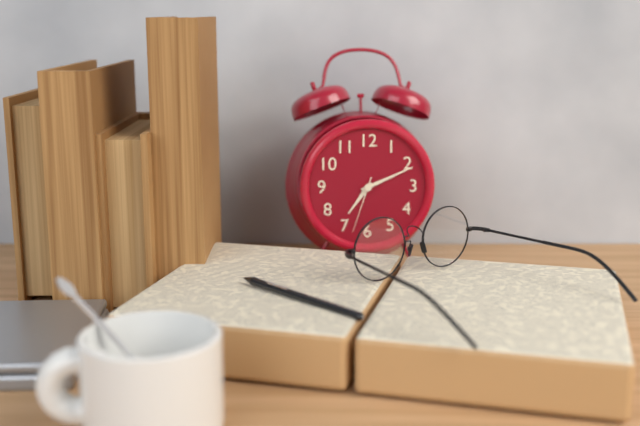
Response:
h=7 m=11 s=33
